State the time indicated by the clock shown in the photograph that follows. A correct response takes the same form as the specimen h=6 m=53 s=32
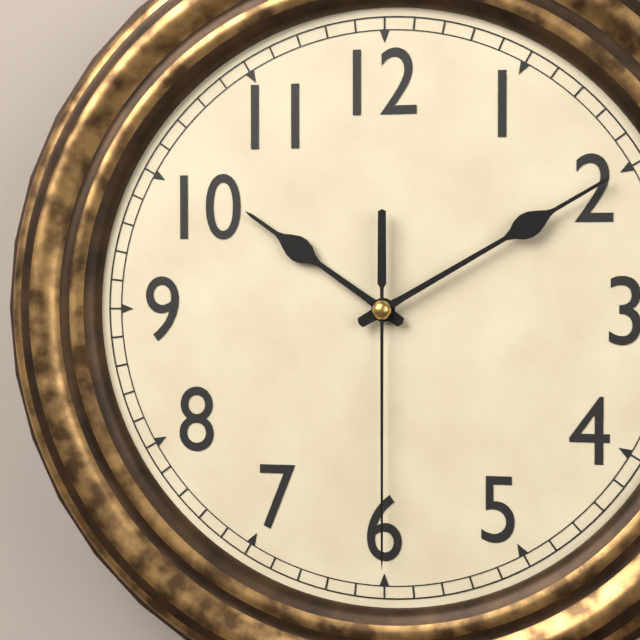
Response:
h=10 m=10 s=30
